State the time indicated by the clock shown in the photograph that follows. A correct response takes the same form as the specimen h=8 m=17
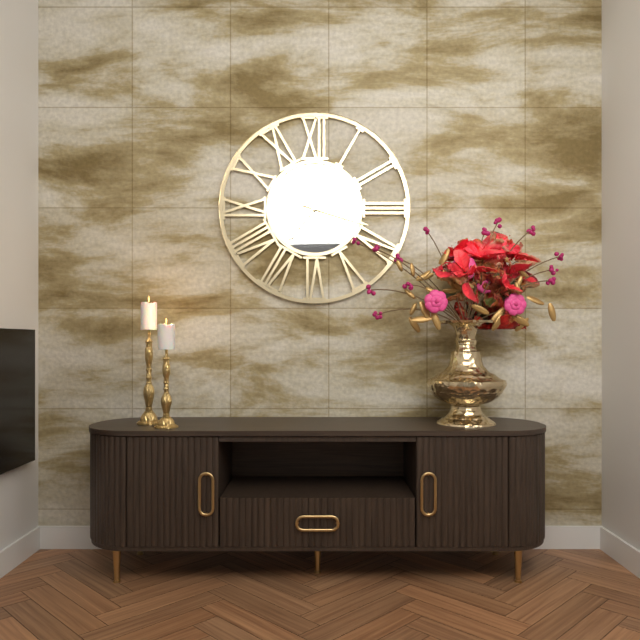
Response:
h=7 m=18
